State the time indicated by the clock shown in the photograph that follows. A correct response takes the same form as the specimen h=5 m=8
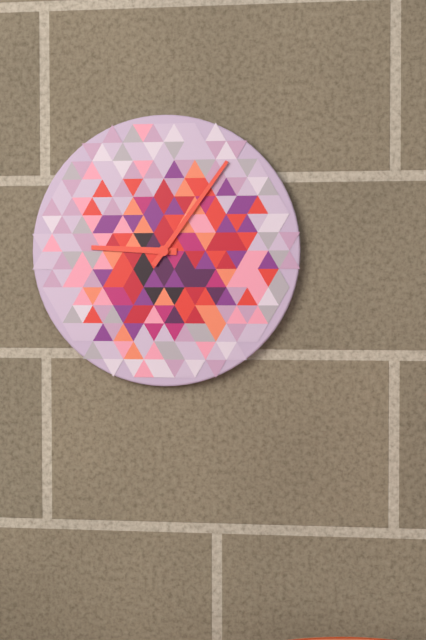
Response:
h=9 m=6
